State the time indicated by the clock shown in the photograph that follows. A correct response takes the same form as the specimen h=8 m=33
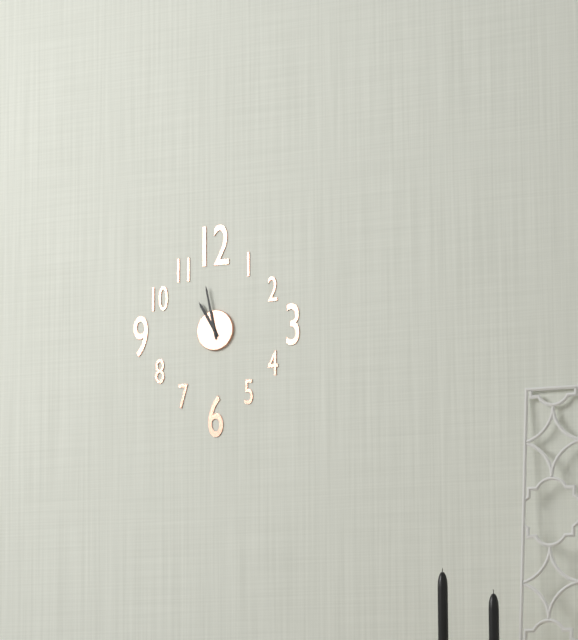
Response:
h=10 m=58
